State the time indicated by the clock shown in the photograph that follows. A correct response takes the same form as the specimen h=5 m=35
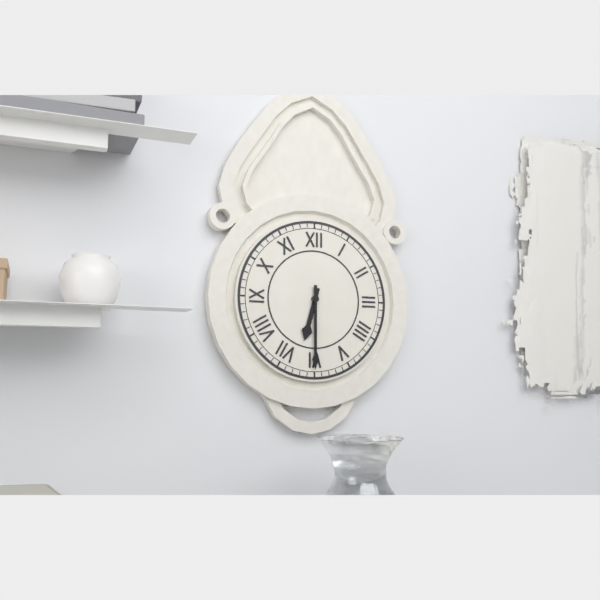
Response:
h=6 m=30
